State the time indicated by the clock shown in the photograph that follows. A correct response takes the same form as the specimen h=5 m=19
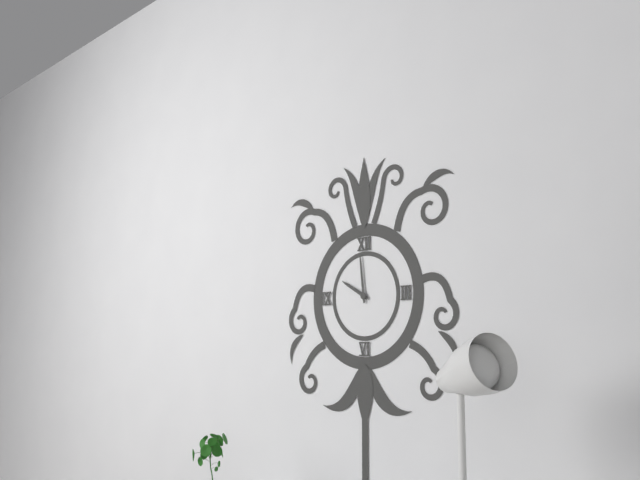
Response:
h=9 m=59
